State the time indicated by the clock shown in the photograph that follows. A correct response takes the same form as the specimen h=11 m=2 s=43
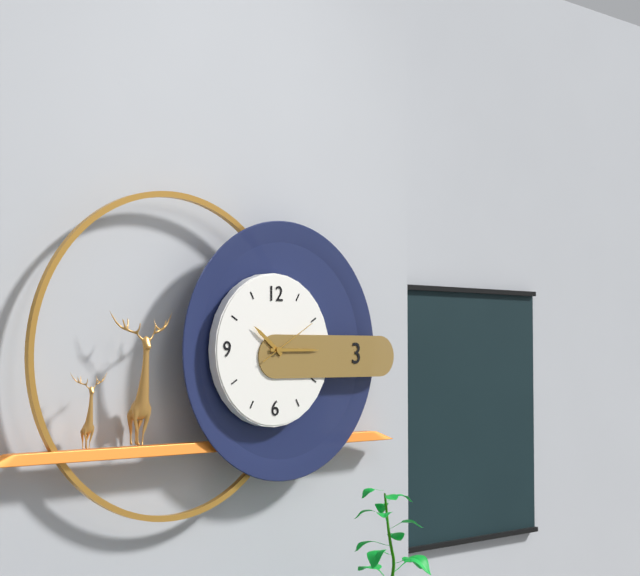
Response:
h=10 m=15 s=10
